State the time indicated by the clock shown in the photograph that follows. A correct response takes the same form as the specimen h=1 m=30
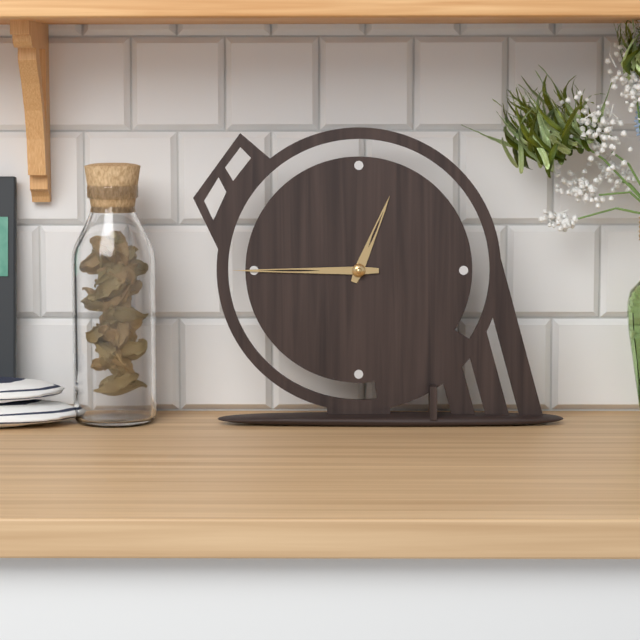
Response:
h=12 m=45
